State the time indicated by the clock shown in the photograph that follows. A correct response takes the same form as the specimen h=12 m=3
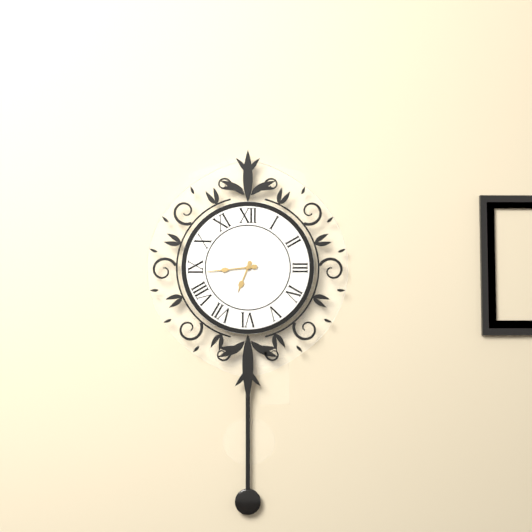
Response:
h=6 m=44
